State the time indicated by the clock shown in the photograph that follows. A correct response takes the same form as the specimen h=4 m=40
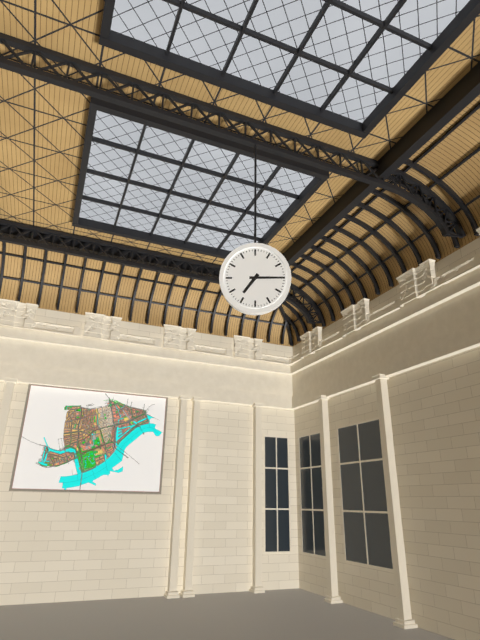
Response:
h=7 m=15
